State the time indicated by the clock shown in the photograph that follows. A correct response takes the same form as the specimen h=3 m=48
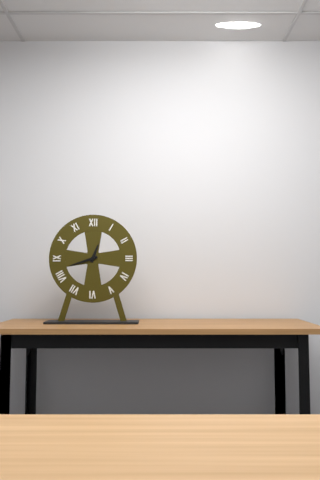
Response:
h=12 m=42
